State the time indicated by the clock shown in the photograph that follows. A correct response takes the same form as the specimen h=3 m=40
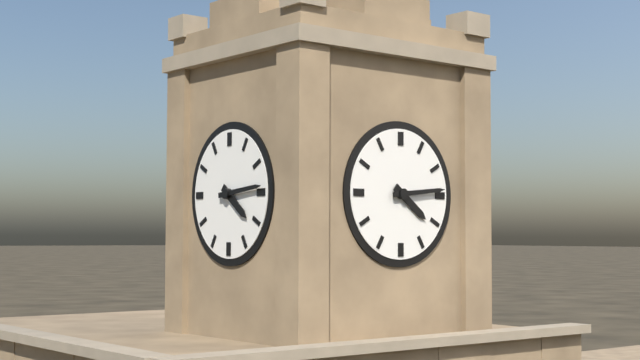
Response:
h=4 m=14
